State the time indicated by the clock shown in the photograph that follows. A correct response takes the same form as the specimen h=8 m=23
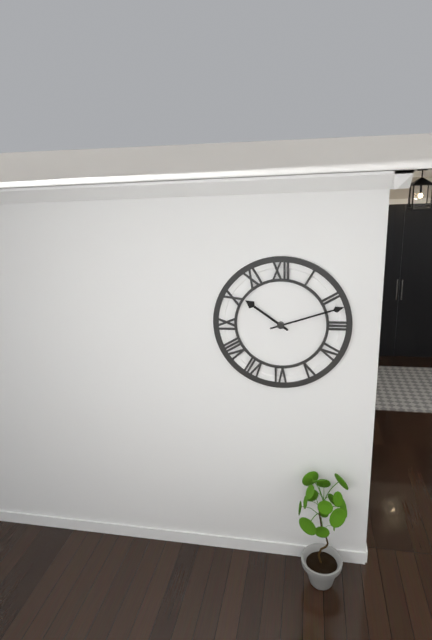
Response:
h=10 m=12
